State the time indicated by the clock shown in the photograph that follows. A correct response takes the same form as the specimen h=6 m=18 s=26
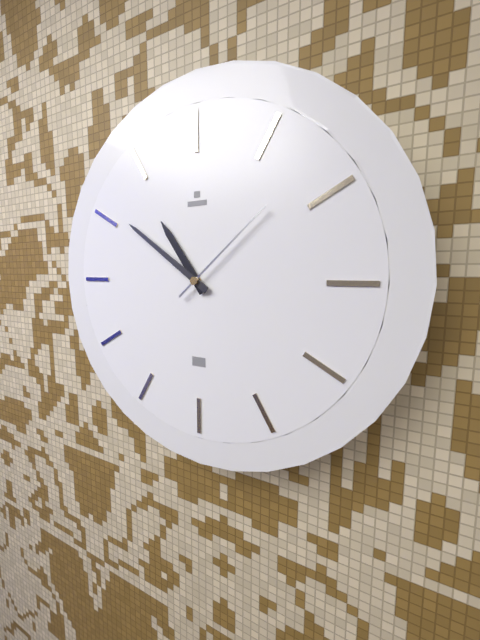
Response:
h=10 m=51 s=8
